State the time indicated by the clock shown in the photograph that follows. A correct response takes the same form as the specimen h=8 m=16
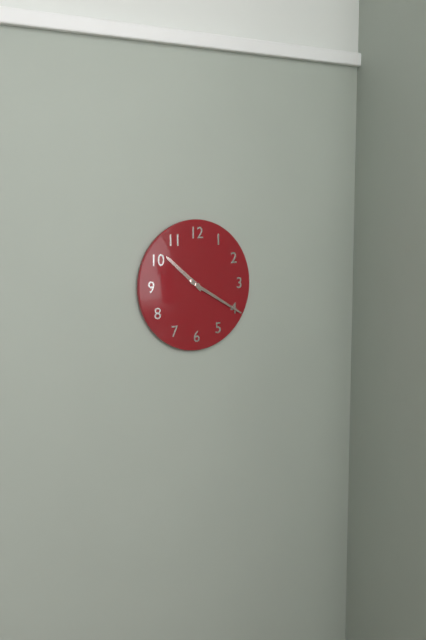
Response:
h=10 m=20
